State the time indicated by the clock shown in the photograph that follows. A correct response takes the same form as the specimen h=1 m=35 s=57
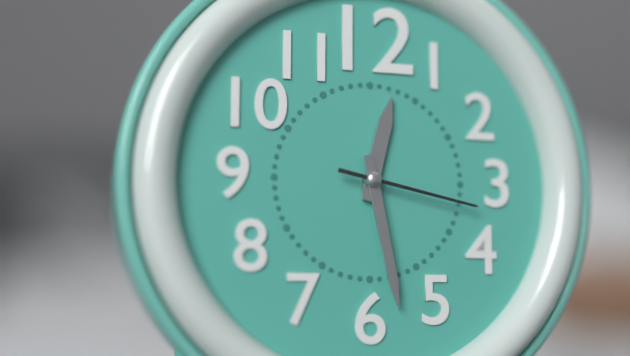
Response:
h=12 m=28 s=17
